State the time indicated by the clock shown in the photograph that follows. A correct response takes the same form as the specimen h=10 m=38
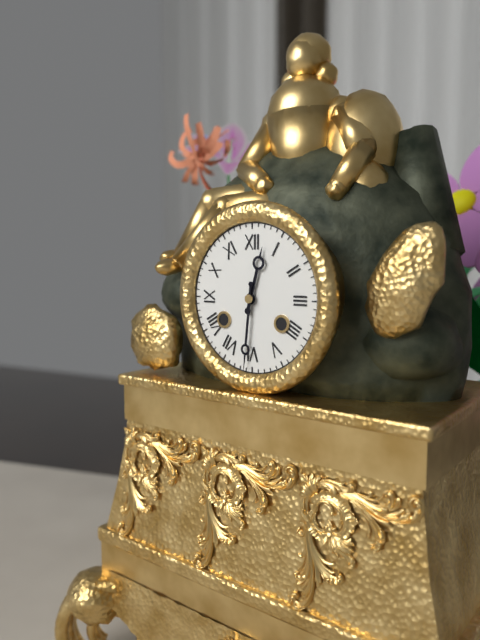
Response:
h=12 m=31
